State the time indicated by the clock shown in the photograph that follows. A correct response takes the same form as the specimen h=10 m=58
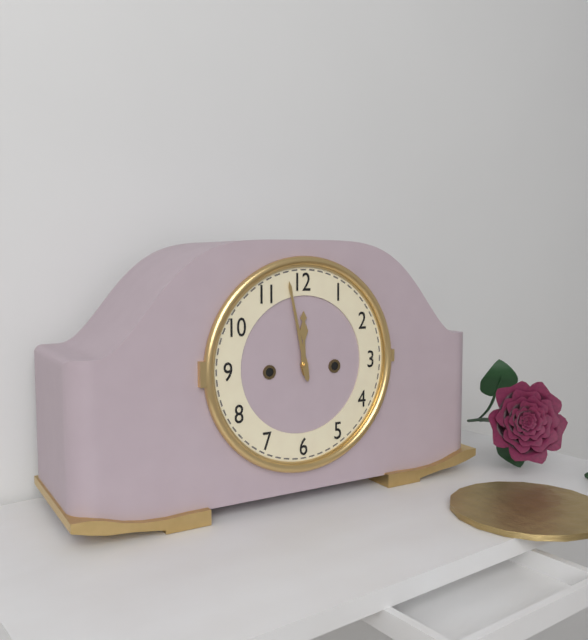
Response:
h=11 m=58
